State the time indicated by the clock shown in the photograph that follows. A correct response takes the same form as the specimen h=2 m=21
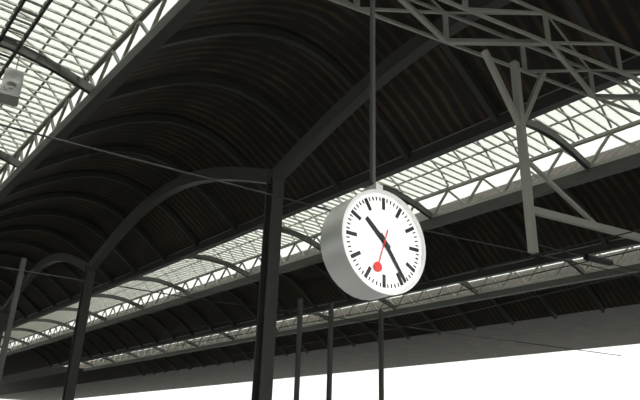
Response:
h=10 m=24
